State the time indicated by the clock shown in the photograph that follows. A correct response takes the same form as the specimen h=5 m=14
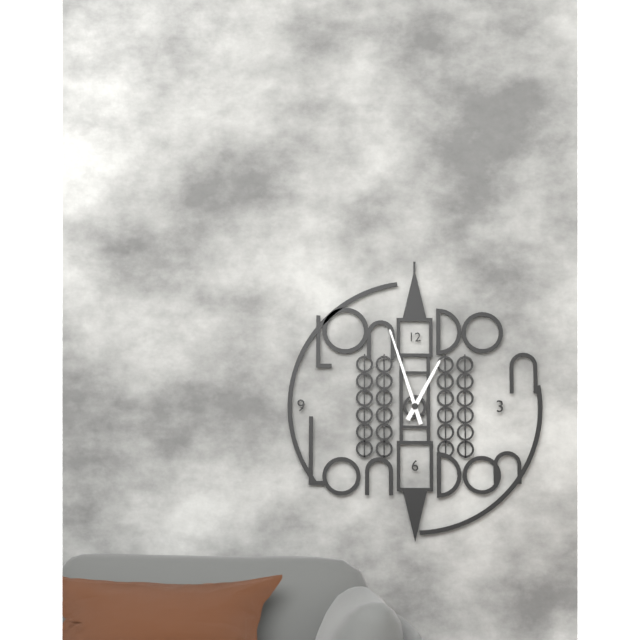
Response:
h=12 m=57
